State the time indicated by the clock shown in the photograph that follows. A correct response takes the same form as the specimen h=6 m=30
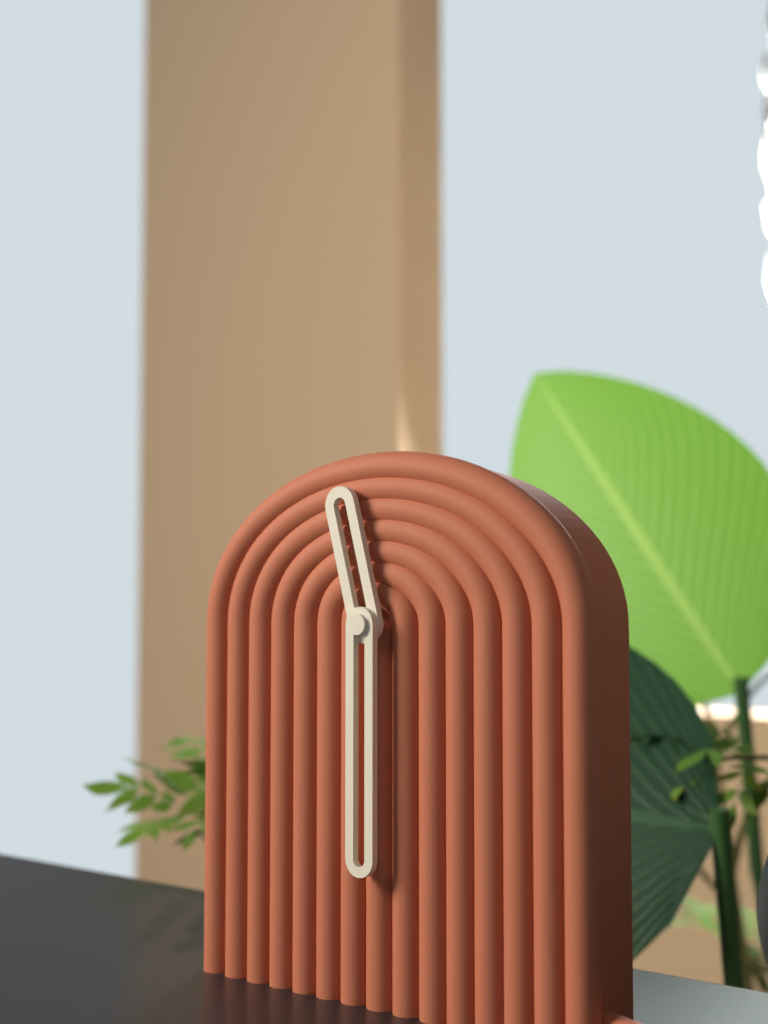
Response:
h=11 m=30
